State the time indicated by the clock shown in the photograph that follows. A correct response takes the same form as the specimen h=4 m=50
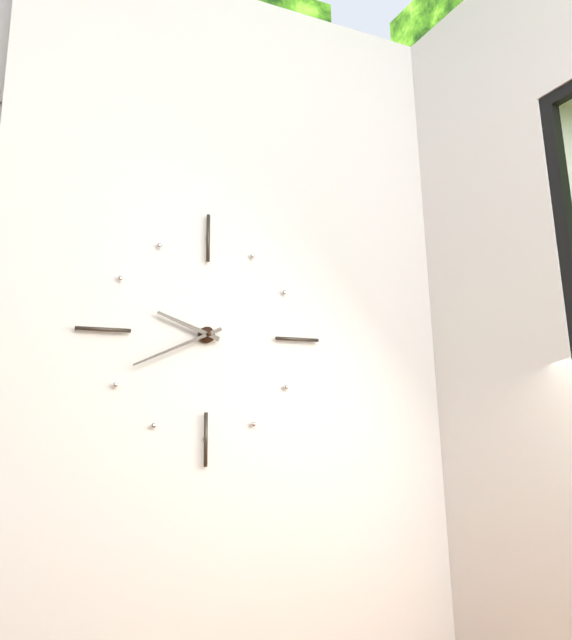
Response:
h=9 m=41
